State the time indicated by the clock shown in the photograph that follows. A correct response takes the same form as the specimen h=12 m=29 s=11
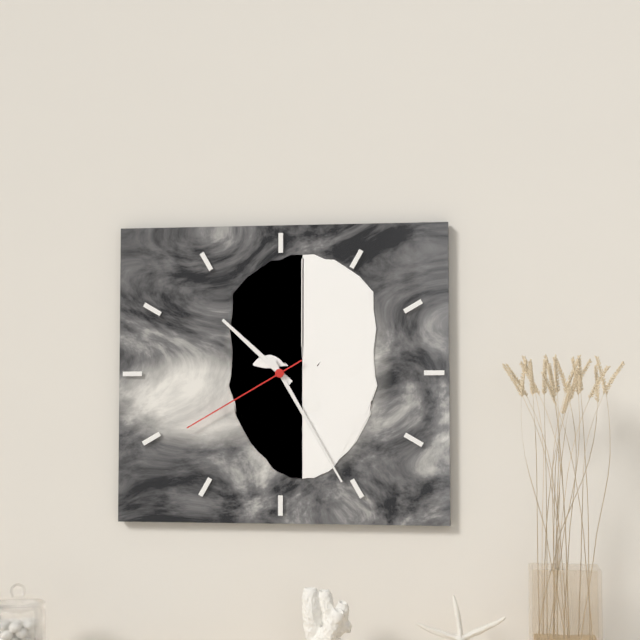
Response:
h=10 m=25 s=40
